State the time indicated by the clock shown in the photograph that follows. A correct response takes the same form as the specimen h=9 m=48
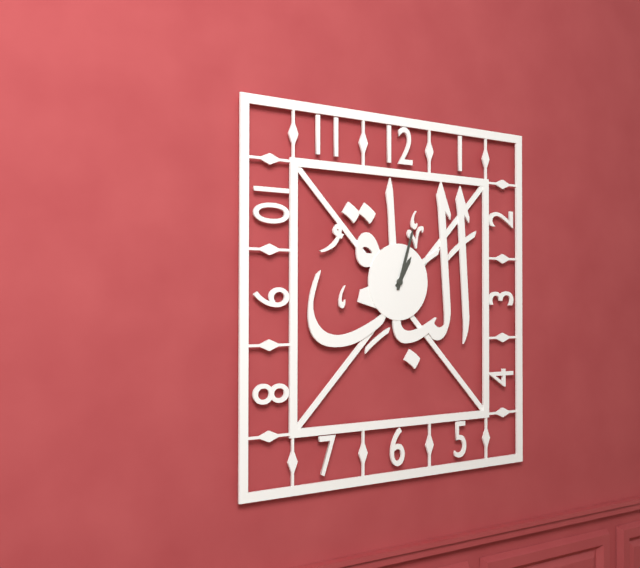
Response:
h=1 m=3
